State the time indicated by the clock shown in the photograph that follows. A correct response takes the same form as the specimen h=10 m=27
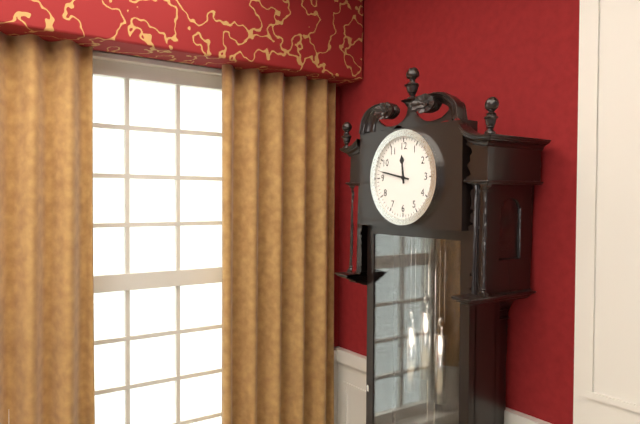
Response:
h=11 m=47
